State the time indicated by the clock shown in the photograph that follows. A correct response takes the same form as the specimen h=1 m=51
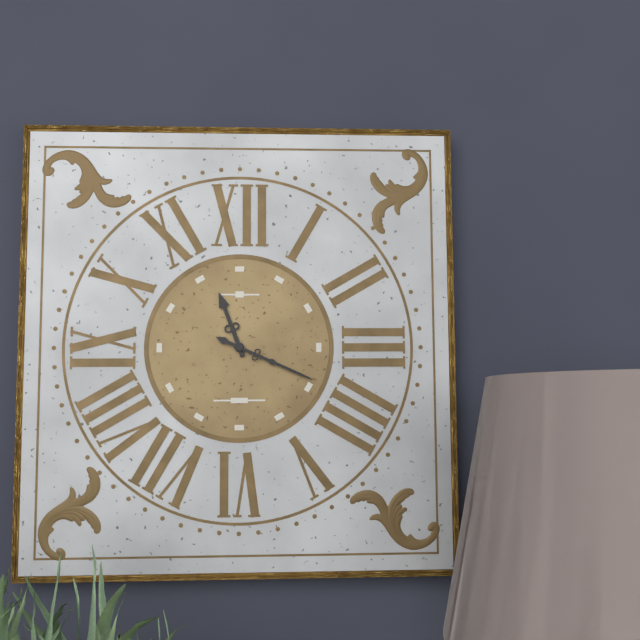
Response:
h=11 m=19
